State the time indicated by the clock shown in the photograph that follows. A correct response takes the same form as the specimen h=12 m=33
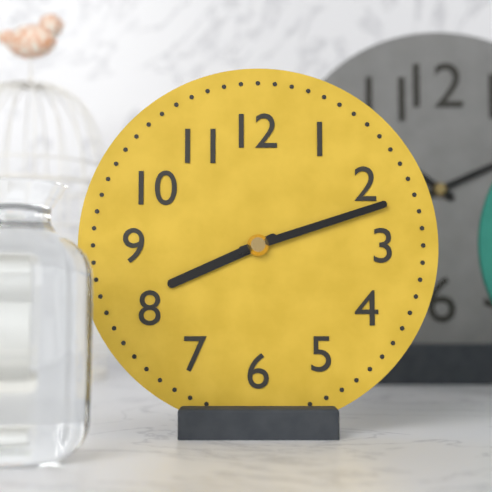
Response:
h=8 m=12
